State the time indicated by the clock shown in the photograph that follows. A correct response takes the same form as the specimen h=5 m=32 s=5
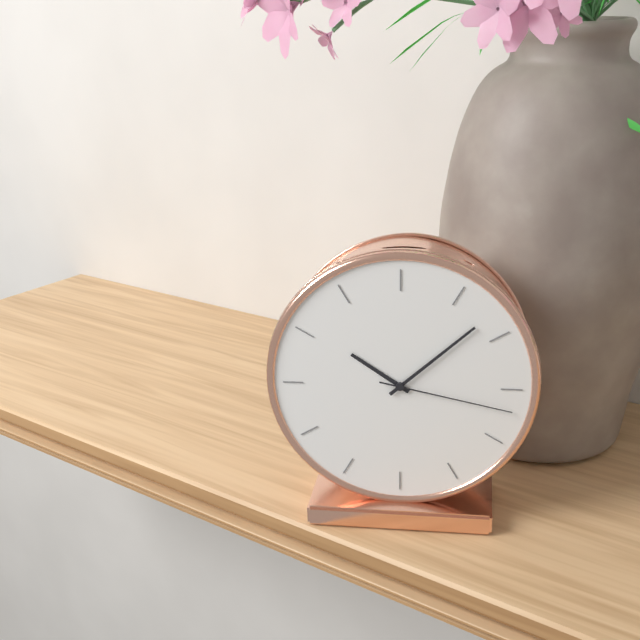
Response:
h=10 m=8 s=17
